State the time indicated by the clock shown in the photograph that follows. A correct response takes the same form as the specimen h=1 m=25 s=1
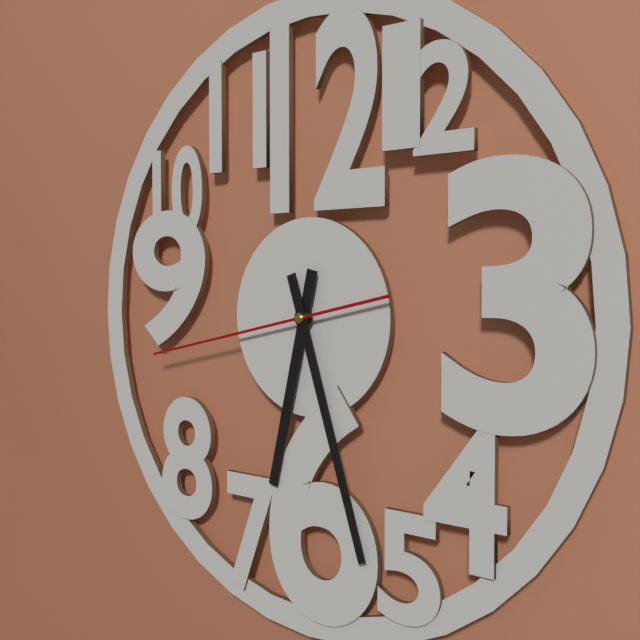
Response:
h=6 m=27 s=43
